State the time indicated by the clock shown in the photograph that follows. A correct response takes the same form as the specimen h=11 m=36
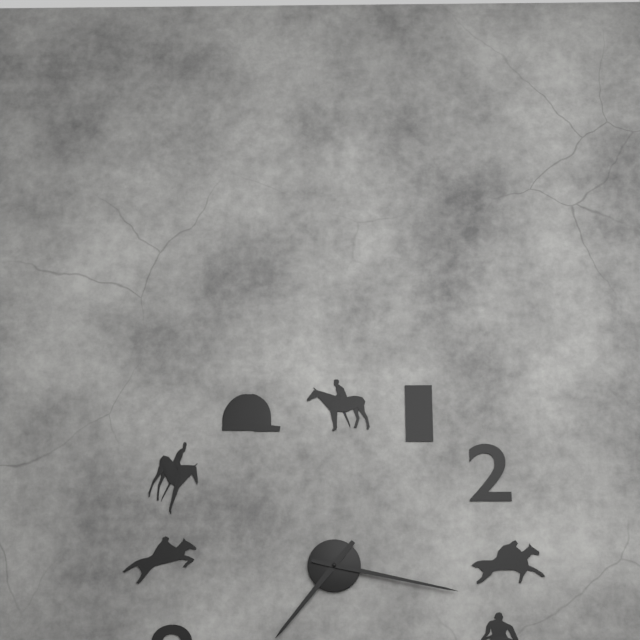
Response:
h=7 m=17
